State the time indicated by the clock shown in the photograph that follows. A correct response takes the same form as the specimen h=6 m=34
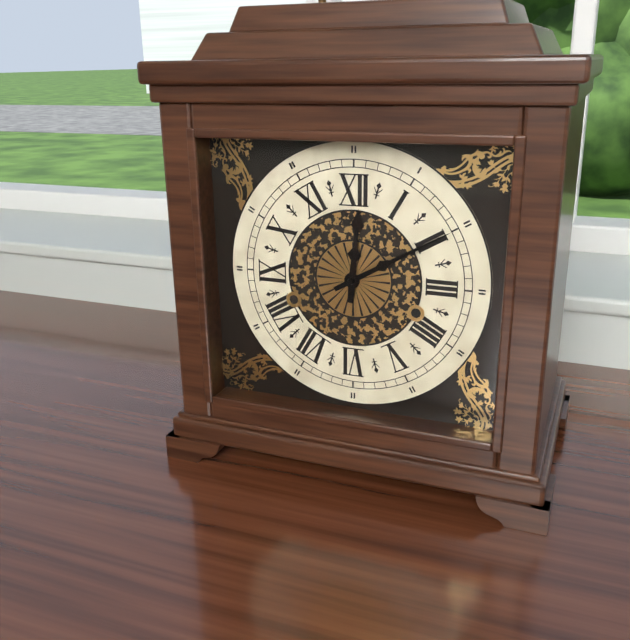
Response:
h=12 m=10
